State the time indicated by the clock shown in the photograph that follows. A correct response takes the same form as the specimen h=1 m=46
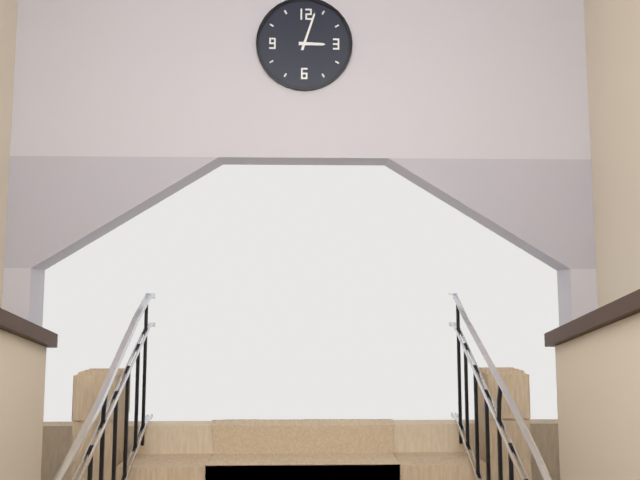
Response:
h=3 m=3
